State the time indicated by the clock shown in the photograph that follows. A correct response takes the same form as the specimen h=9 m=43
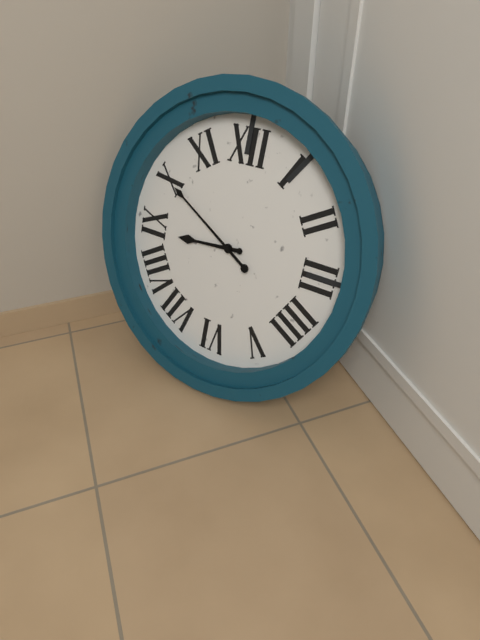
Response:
h=8 m=50
